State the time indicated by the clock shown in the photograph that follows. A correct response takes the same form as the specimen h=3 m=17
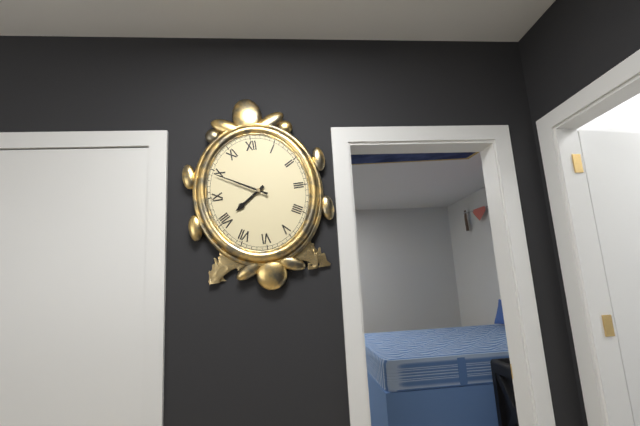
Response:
h=7 m=50
